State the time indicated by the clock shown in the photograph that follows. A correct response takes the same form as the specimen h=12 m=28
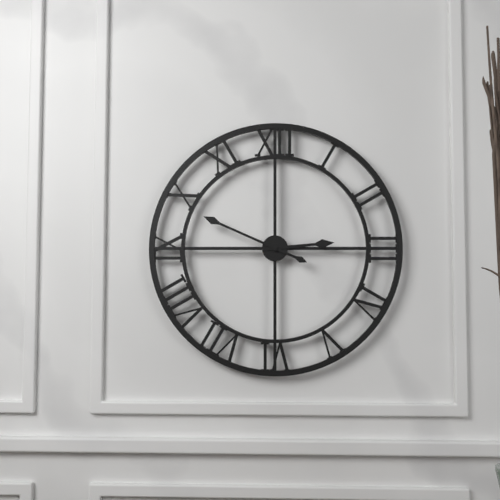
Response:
h=2 m=49
